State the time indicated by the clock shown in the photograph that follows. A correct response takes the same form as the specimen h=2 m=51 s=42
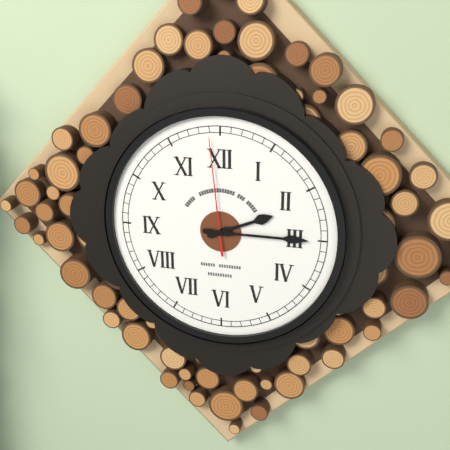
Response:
h=2 m=15 s=59
